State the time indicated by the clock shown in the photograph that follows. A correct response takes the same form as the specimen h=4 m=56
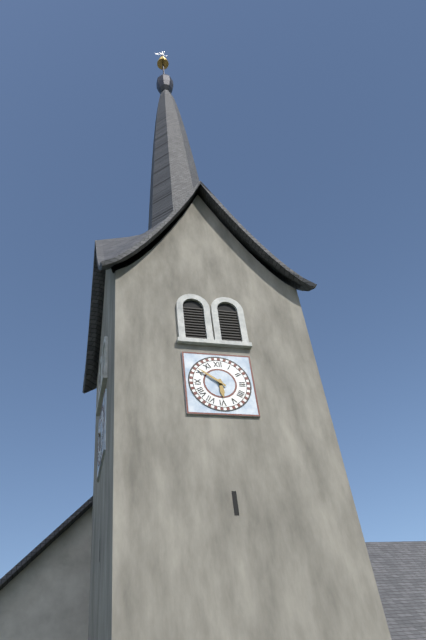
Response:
h=5 m=51
